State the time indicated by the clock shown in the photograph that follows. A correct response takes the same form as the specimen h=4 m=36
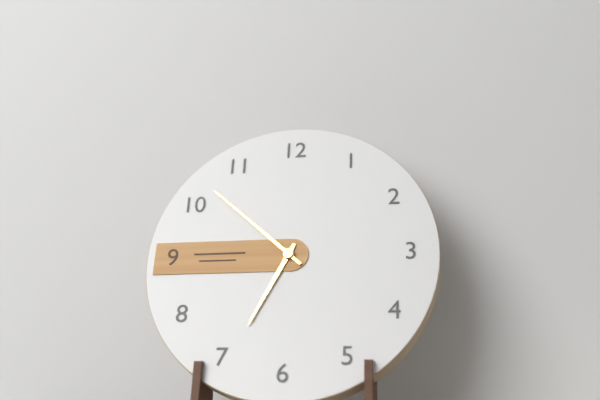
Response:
h=6 m=52
